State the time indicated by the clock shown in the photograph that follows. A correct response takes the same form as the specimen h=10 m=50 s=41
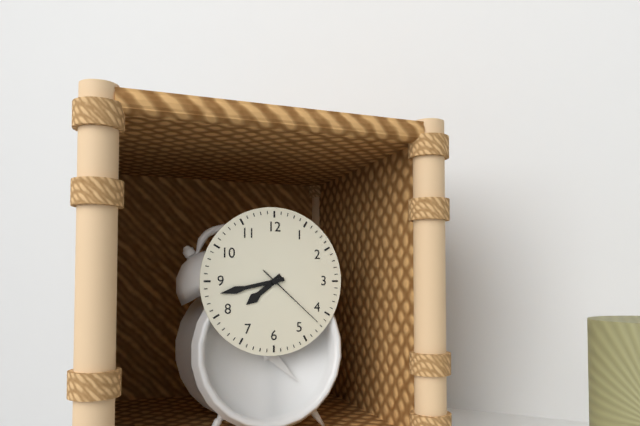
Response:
h=7 m=43 s=22
